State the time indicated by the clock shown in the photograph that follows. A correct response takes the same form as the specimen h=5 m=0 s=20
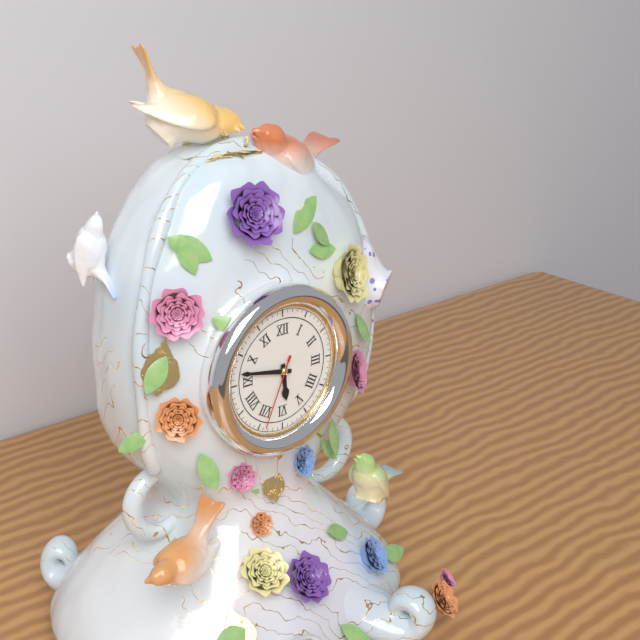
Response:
h=5 m=47 s=34
